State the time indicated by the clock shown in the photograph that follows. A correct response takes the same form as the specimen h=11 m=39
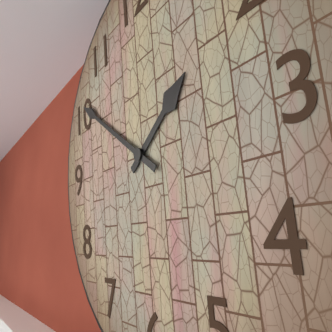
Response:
h=1 m=51
